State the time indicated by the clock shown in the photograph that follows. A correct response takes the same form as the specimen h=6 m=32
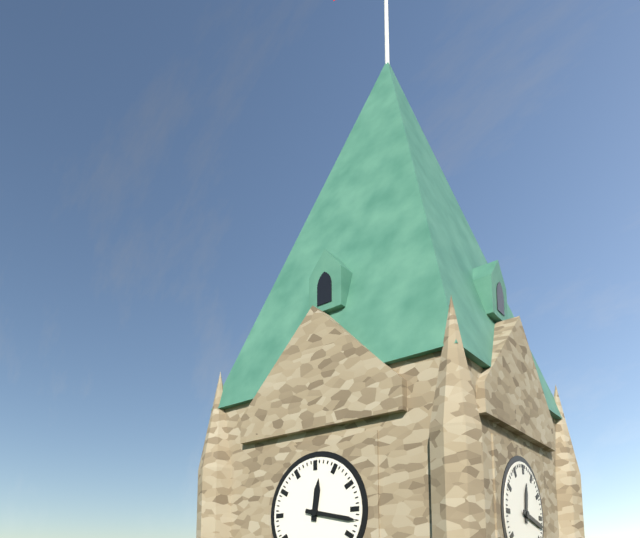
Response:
h=12 m=17
